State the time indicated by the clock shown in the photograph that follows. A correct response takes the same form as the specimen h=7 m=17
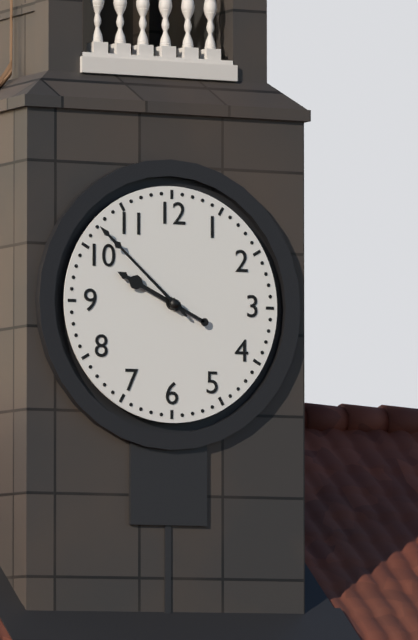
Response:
h=9 m=52
